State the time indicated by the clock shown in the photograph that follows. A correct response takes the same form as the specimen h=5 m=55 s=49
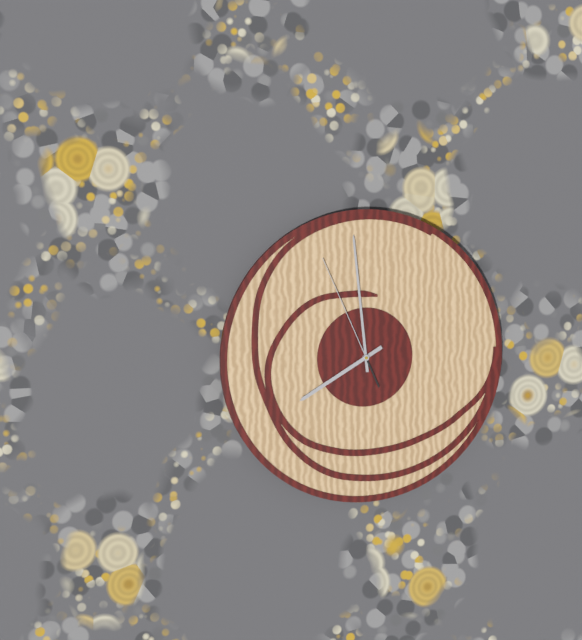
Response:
h=7 m=59 s=56
